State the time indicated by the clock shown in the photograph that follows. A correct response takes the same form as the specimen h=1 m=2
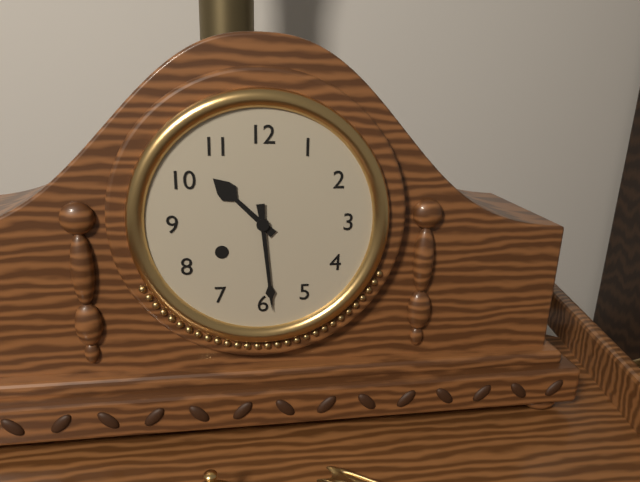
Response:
h=10 m=29
